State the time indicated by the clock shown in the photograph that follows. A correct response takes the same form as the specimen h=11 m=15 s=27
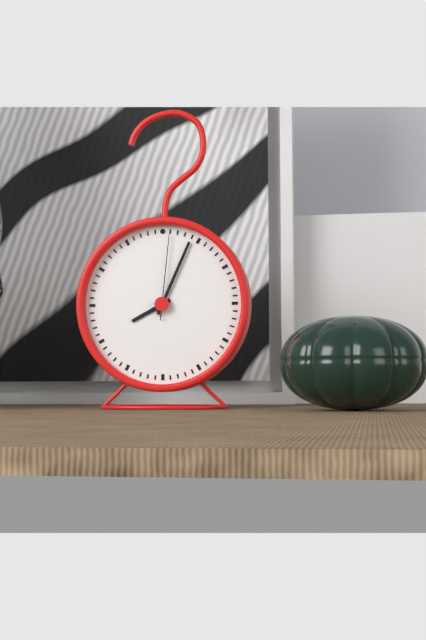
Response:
h=8 m=4 s=1
